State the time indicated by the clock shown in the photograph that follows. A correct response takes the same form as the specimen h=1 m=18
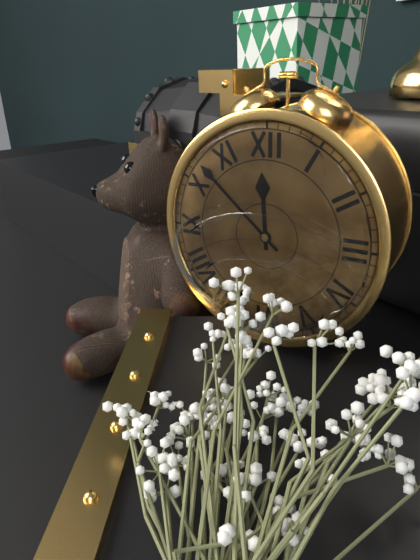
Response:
h=11 m=52
